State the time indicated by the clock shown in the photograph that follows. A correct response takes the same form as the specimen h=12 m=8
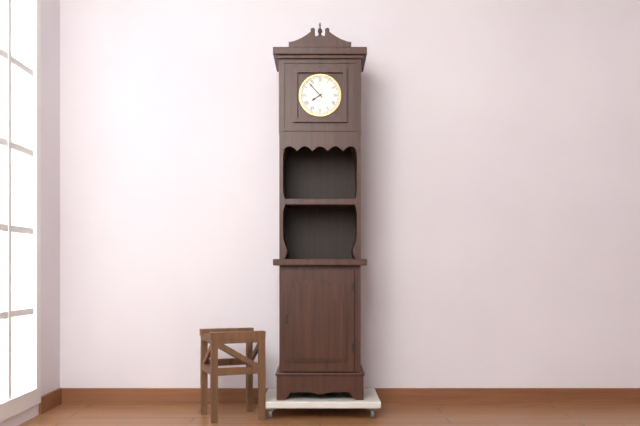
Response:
h=7 m=53
